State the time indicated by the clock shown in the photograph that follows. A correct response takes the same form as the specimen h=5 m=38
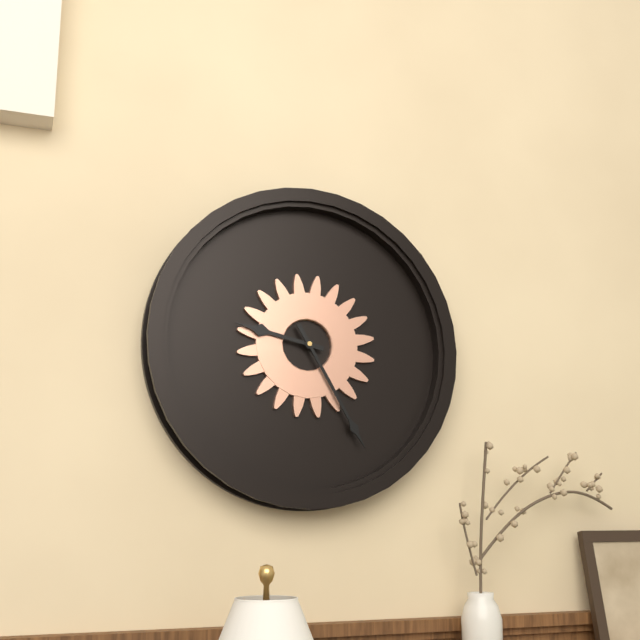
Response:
h=9 m=25
